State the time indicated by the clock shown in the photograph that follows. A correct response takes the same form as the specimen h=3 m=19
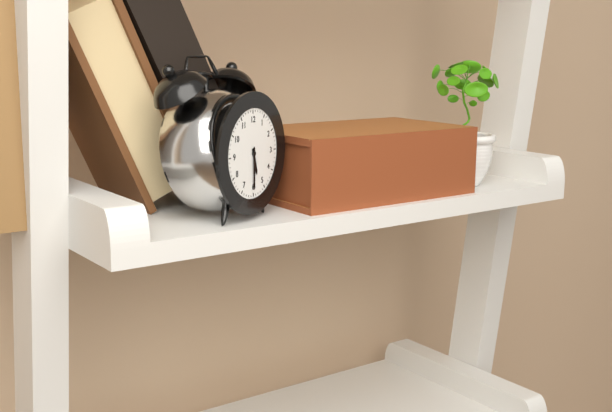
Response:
h=5 m=30
